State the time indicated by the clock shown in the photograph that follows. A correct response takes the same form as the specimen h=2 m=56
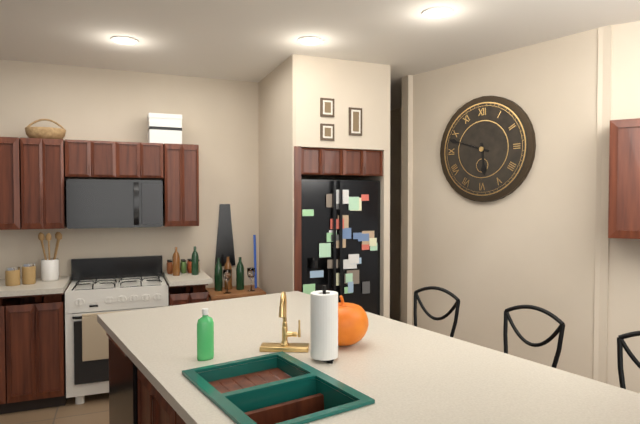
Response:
h=5 m=48
